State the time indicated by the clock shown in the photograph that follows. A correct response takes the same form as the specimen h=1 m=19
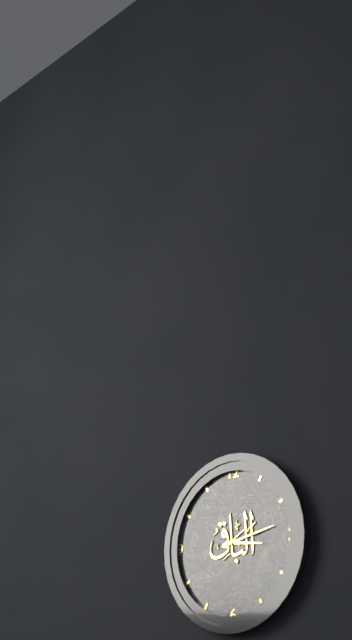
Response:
h=3 m=13
